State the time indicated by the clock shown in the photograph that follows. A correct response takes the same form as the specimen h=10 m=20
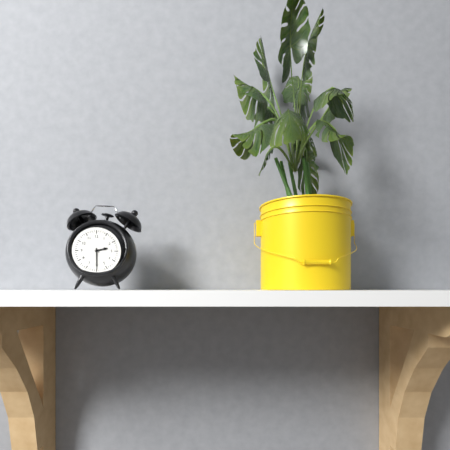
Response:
h=2 m=30
